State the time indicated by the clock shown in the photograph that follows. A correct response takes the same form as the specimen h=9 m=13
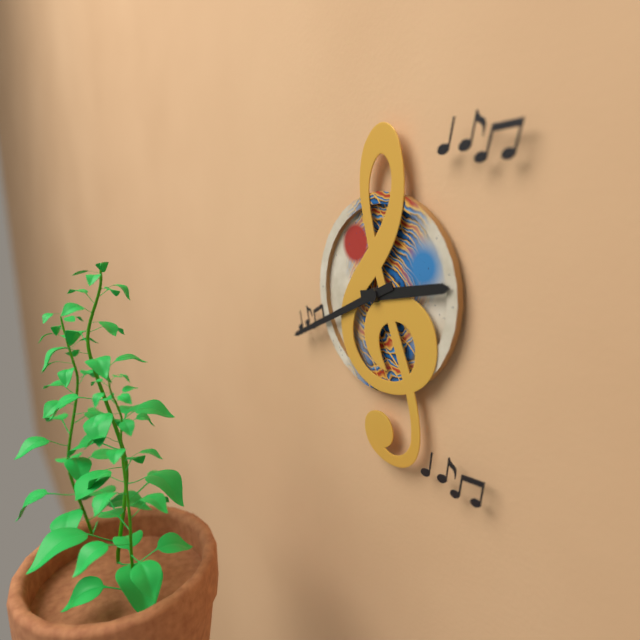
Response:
h=2 m=41
